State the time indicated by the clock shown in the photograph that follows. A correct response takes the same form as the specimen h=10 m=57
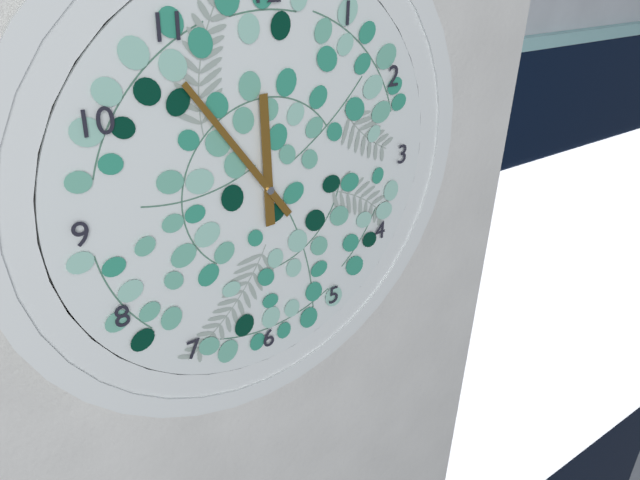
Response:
h=11 m=54
